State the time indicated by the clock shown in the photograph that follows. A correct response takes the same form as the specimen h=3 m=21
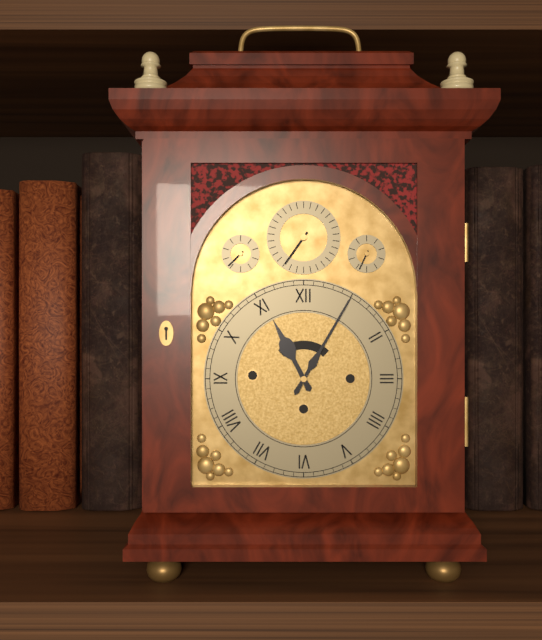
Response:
h=11 m=5
